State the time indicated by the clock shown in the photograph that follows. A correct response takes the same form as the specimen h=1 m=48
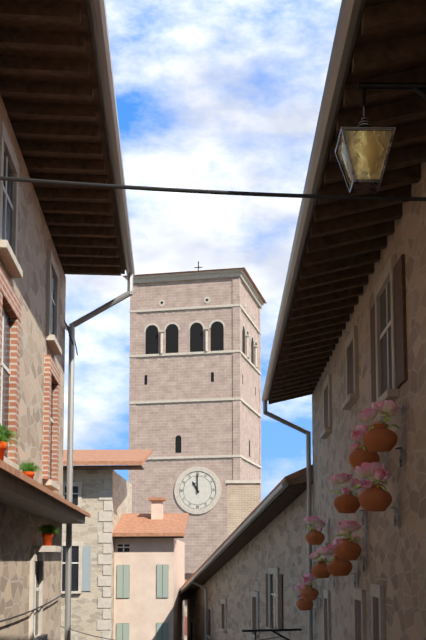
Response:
h=11 m=0
